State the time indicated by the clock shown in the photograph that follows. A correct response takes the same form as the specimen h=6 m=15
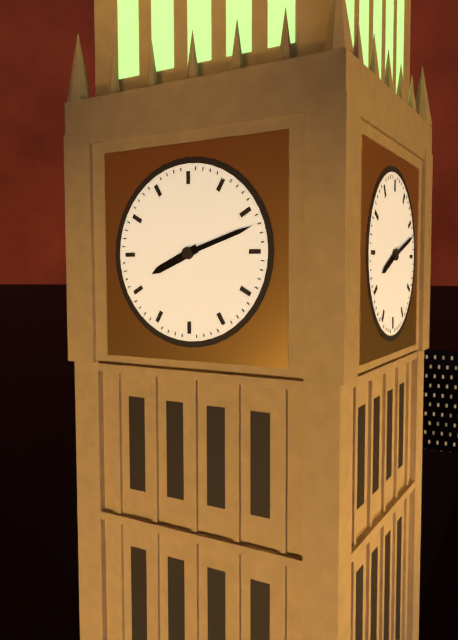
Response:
h=8 m=12
